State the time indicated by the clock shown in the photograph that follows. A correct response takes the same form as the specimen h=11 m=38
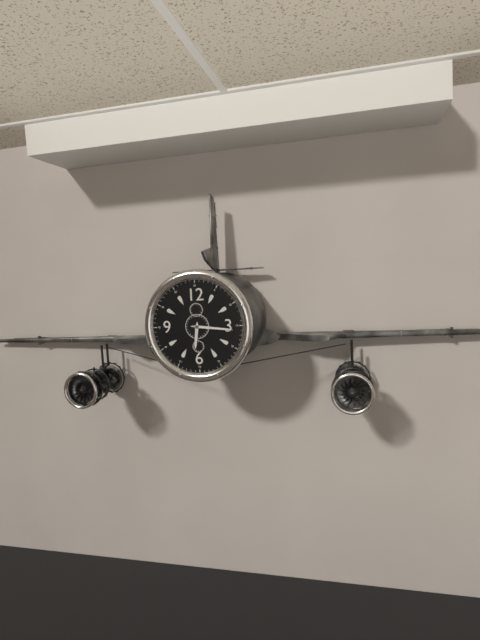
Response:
h=6 m=16
